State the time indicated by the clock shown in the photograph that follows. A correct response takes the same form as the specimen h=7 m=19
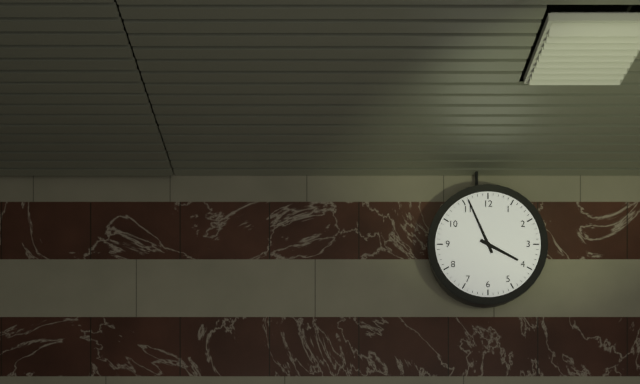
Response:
h=3 m=56
